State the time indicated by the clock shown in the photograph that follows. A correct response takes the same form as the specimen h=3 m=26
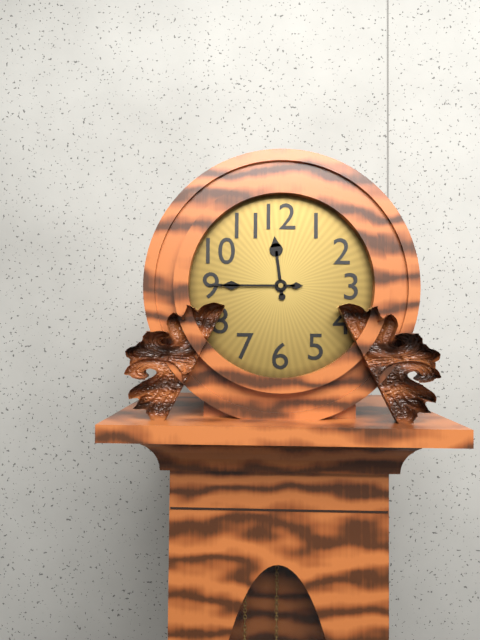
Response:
h=11 m=45
